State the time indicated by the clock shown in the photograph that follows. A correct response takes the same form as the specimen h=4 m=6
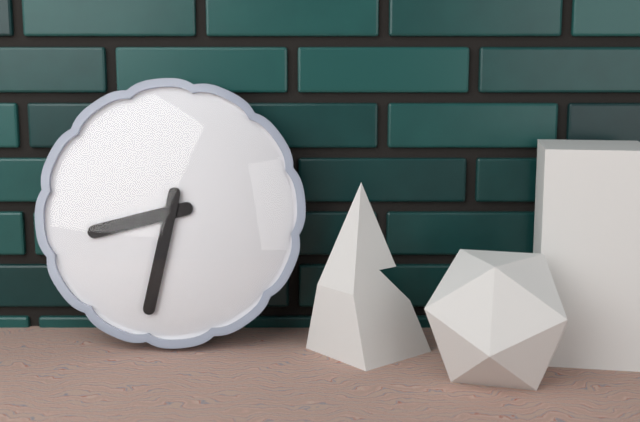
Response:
h=8 m=32
